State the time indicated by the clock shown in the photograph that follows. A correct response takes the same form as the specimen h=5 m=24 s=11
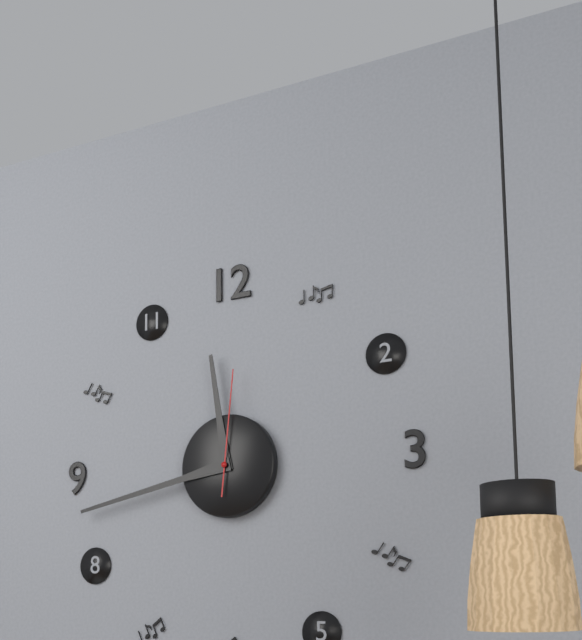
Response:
h=11 m=43 s=1
